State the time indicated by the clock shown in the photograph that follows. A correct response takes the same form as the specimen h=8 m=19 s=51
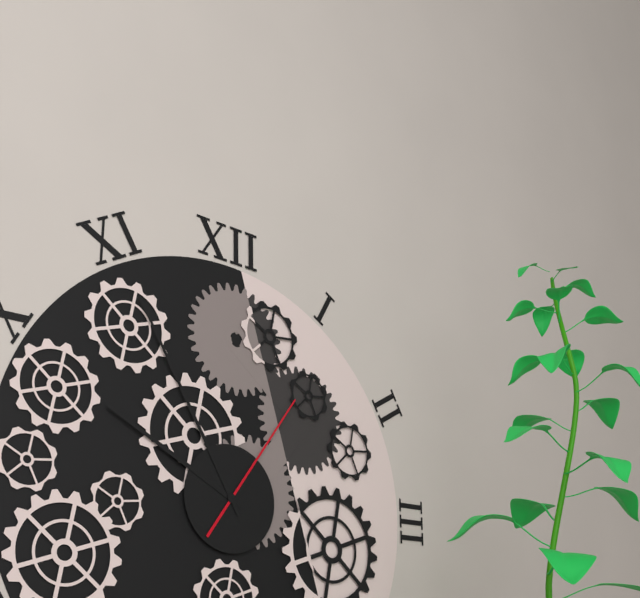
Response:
h=9 m=55 s=6
